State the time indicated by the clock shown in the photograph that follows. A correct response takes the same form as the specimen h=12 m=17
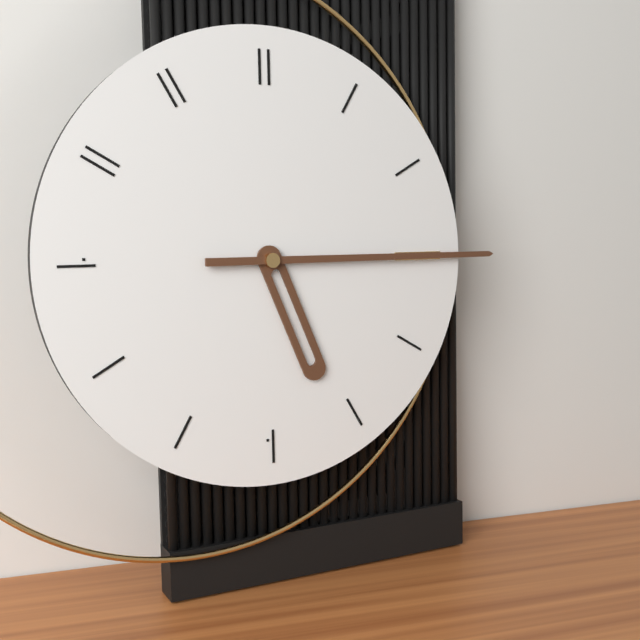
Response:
h=5 m=15
